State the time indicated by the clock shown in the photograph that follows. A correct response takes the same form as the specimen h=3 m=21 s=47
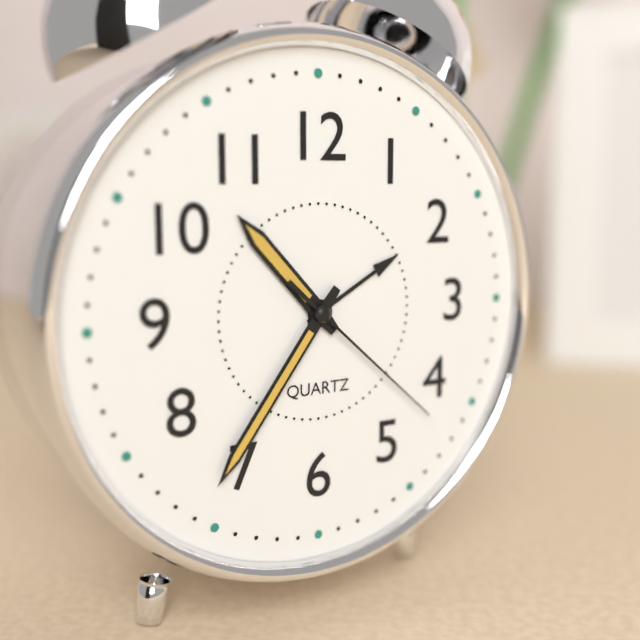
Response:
h=10 m=36 s=22
